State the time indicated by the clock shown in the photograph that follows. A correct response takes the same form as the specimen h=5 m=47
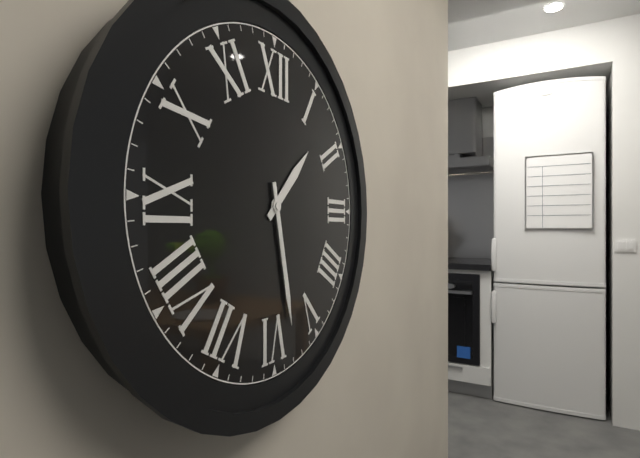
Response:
h=1 m=28
